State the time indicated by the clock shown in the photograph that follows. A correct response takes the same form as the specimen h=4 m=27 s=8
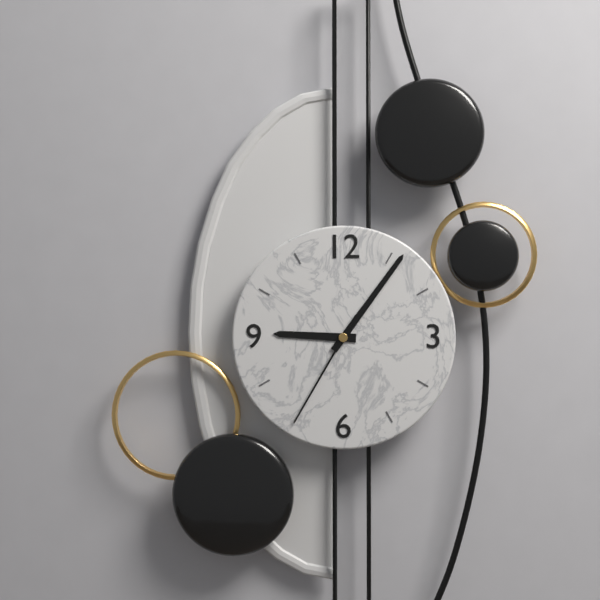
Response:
h=9 m=6 s=35
